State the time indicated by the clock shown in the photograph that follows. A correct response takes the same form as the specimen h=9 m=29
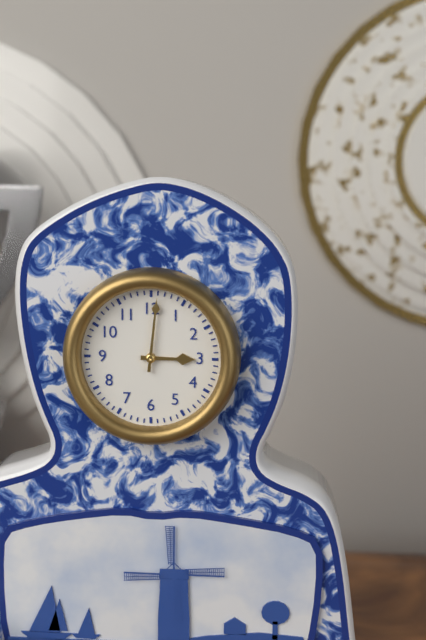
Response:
h=3 m=1
